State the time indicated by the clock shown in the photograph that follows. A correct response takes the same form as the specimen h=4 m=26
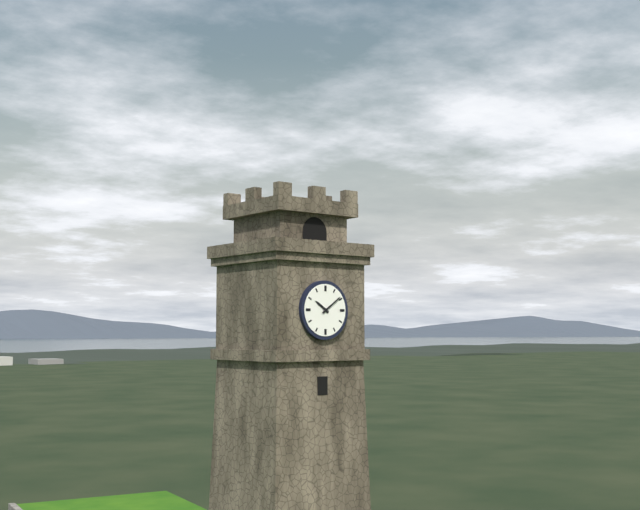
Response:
h=10 m=9
